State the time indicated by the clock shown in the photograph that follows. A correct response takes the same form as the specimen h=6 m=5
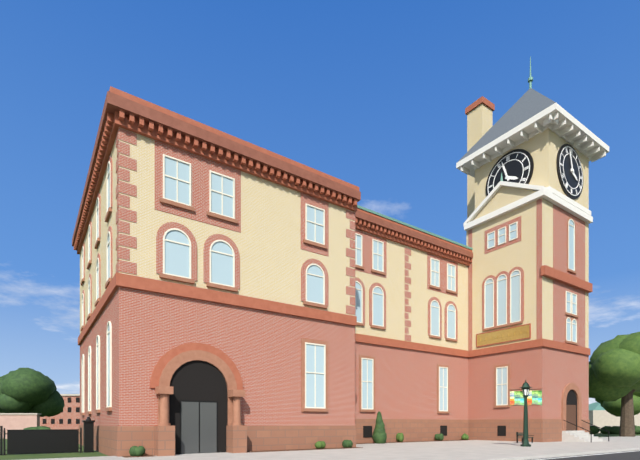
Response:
h=3 m=57
